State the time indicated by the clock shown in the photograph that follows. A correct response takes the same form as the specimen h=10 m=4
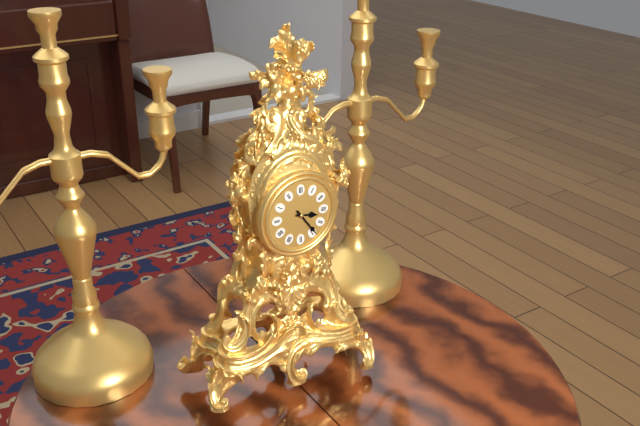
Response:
h=3 m=24
